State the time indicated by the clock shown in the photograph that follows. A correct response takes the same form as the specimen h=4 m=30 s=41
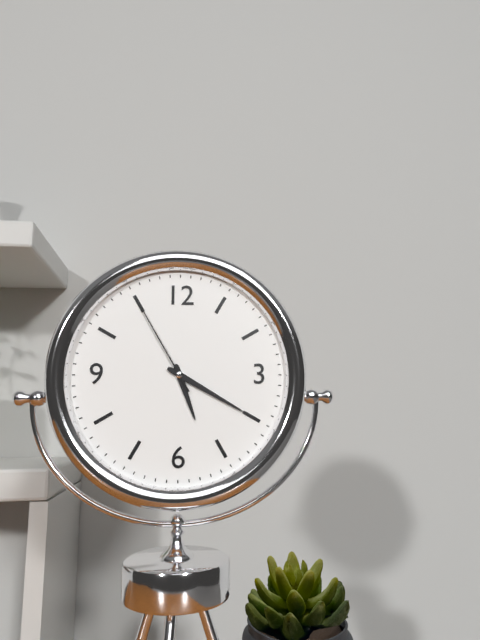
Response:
h=5 m=20 s=55
